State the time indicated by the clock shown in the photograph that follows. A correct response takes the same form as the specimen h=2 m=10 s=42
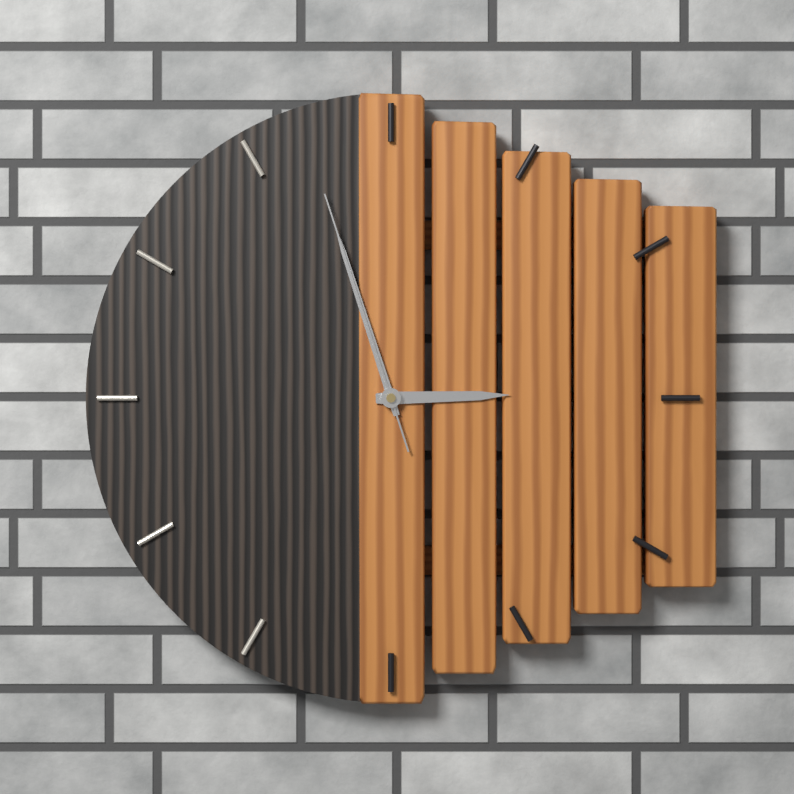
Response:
h=2 m=57 s=57
